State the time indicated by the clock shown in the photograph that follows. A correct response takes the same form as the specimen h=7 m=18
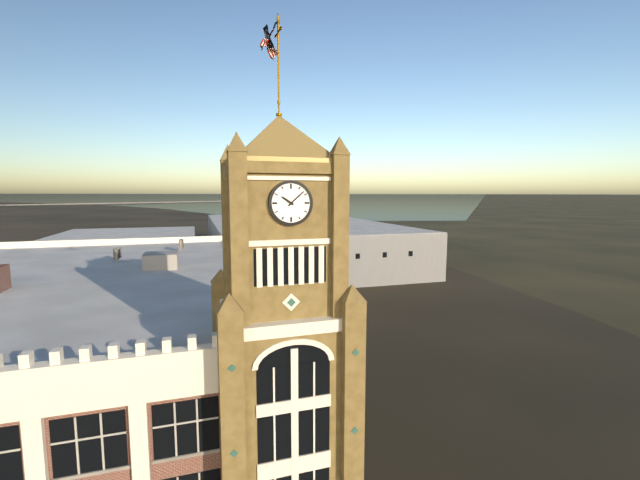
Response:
h=10 m=8
